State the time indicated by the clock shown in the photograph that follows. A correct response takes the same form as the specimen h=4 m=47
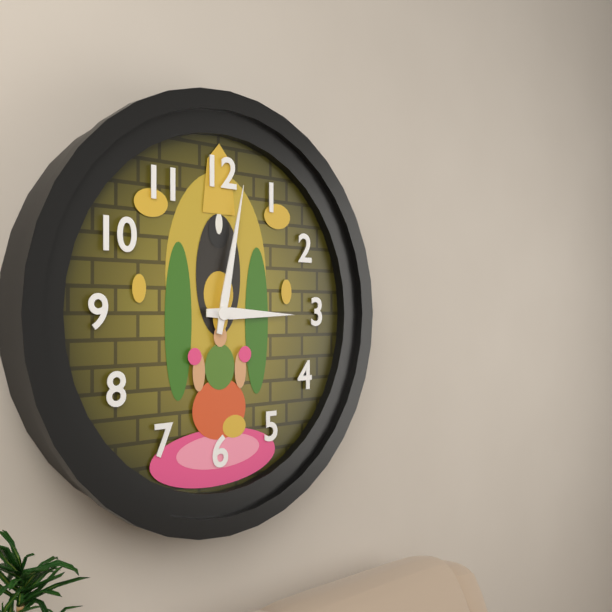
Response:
h=3 m=2
